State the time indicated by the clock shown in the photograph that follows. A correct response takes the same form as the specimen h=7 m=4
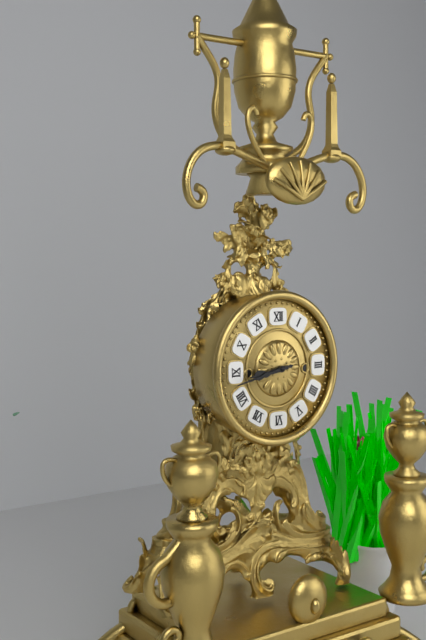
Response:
h=8 m=43
